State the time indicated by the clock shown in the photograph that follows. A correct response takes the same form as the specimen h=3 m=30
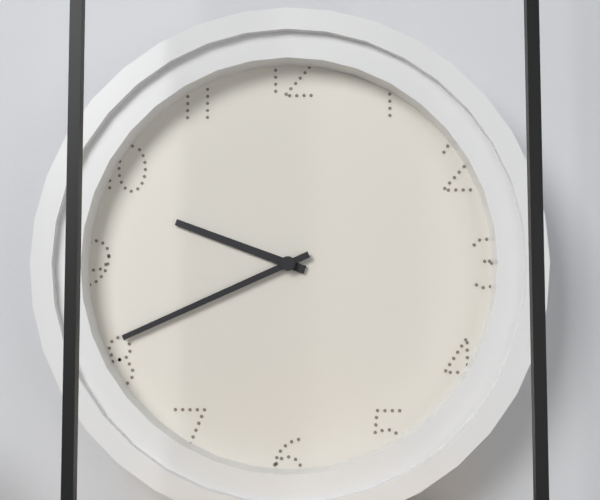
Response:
h=9 m=41
